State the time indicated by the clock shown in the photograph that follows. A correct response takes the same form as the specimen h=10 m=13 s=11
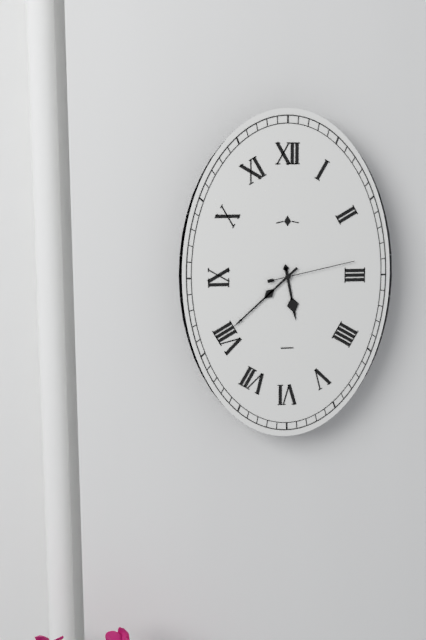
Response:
h=5 m=38 s=13
